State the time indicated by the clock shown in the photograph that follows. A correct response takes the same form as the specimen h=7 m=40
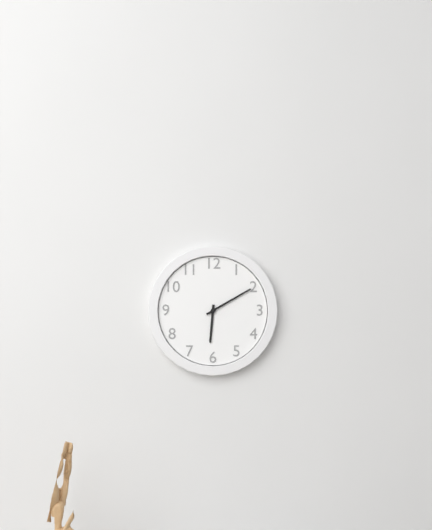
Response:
h=6 m=10
